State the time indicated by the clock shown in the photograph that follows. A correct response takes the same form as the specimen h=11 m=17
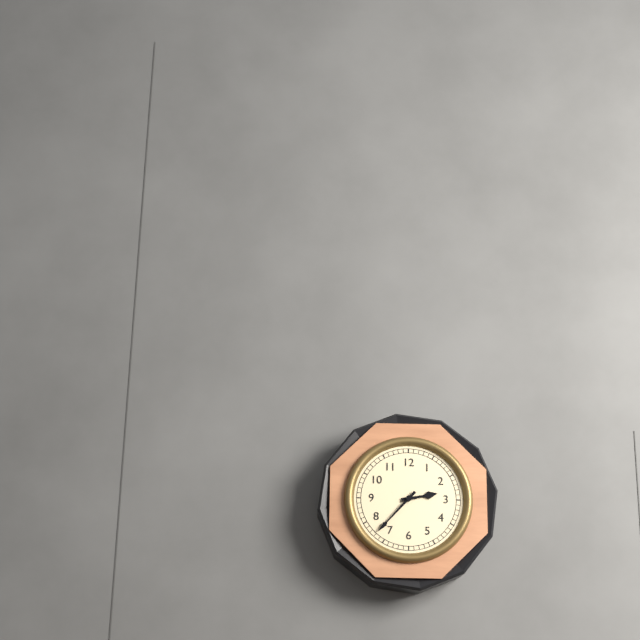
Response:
h=2 m=37
